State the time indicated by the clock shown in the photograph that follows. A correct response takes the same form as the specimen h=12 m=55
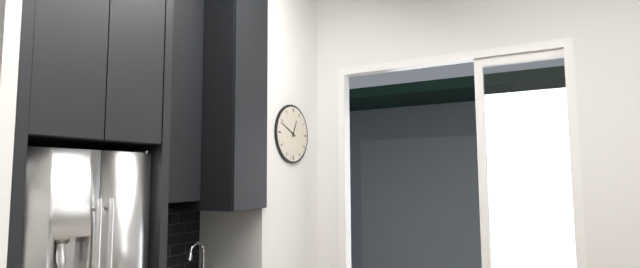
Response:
h=12 m=49
